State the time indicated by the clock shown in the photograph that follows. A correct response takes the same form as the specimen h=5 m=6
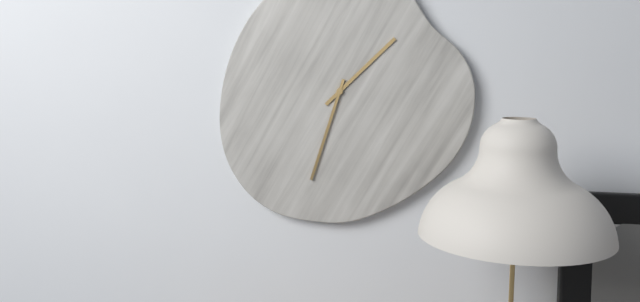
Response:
h=1 m=33
